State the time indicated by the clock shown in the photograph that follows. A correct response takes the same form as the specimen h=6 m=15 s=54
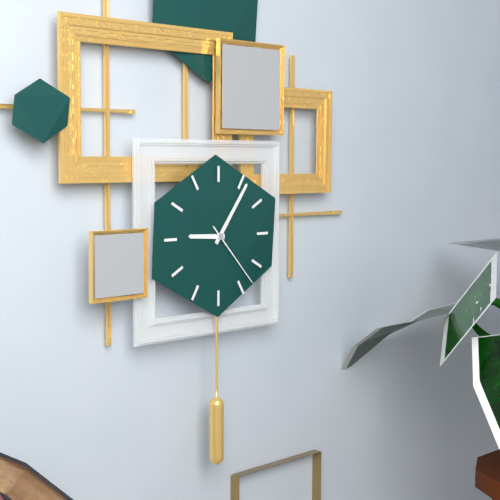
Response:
h=9 m=6 s=23
